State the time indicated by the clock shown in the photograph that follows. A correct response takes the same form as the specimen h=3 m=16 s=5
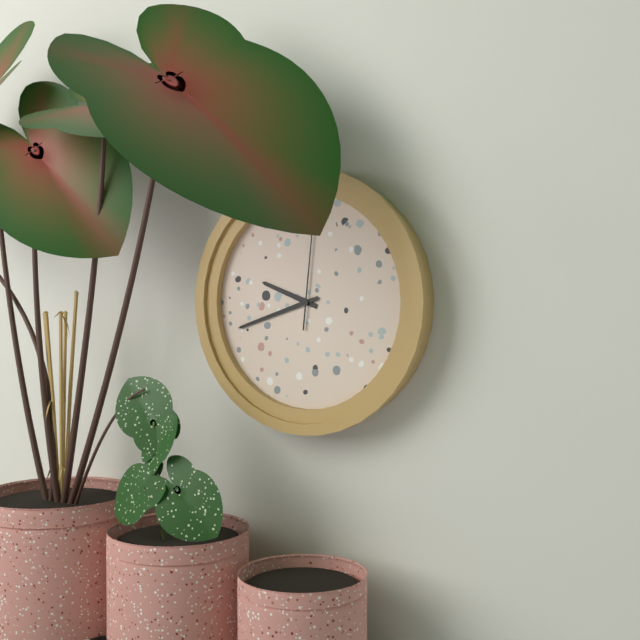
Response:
h=9 m=42 s=1
